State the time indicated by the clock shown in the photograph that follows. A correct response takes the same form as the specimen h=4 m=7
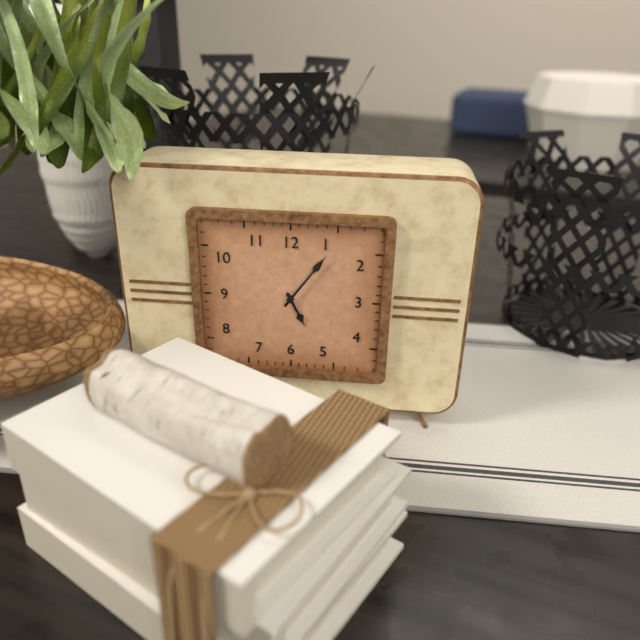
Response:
h=5 m=6
